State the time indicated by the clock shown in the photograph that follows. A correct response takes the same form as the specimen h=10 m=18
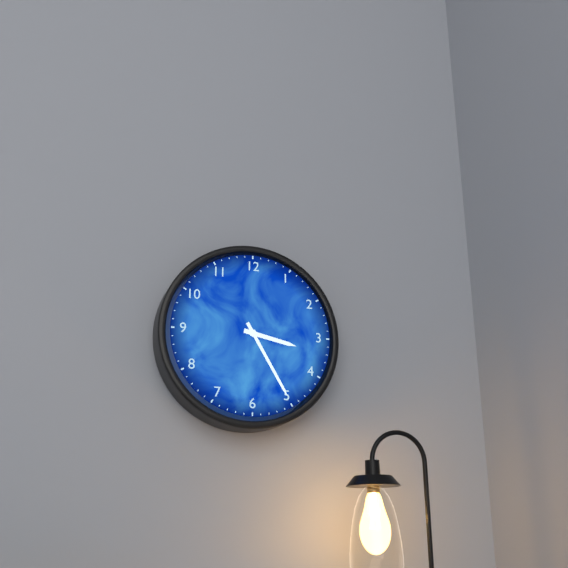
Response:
h=3 m=25
